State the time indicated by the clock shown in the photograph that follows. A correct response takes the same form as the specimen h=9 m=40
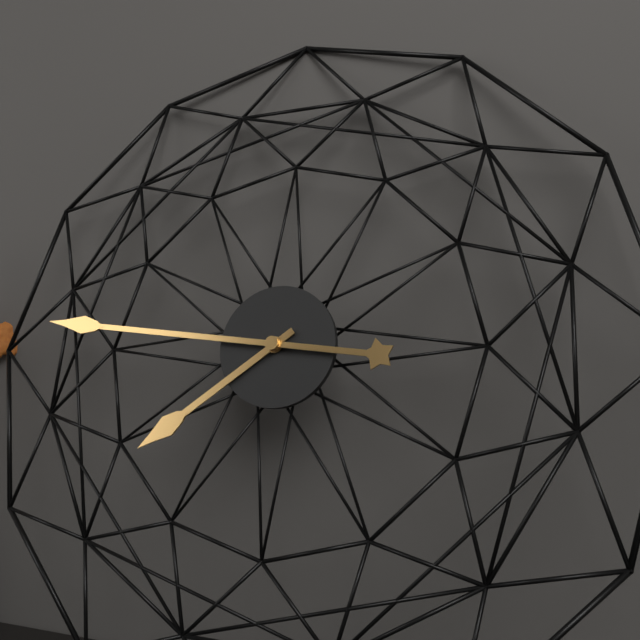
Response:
h=7 m=46
